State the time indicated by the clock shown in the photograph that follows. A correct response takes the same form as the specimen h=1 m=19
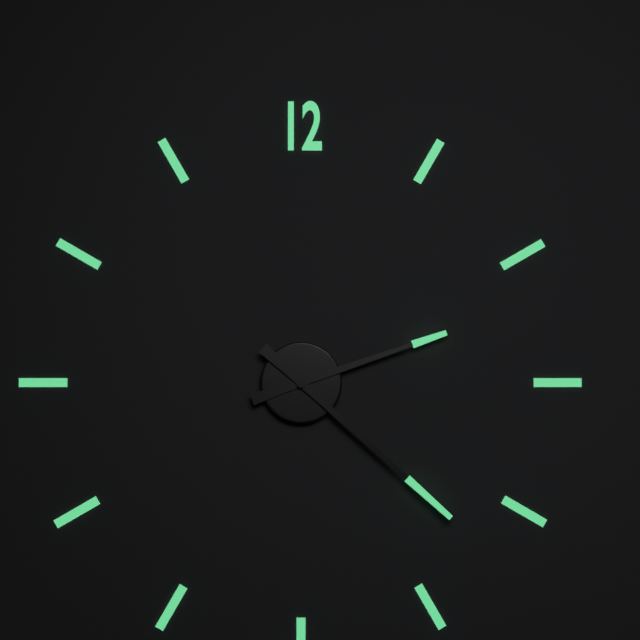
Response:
h=2 m=22
